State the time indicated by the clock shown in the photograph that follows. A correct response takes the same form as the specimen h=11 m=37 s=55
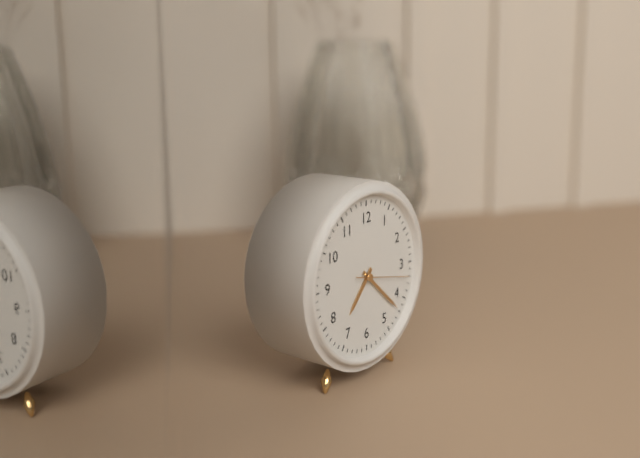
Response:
h=7 m=22 s=17
